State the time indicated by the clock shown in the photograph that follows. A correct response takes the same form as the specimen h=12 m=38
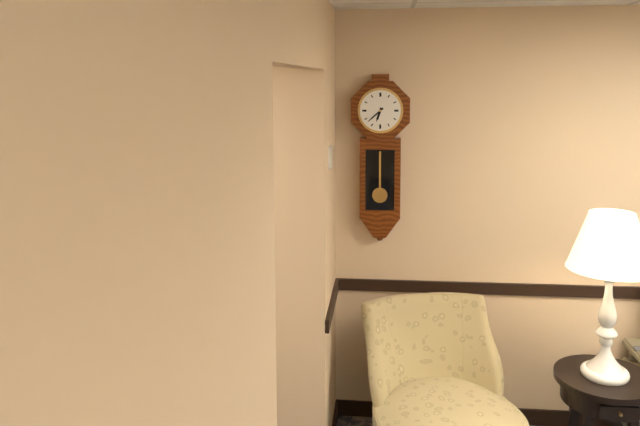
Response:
h=6 m=38
